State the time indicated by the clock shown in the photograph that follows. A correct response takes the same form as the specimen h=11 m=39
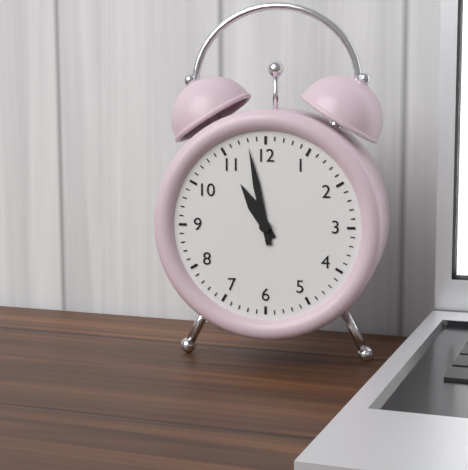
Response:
h=10 m=58
